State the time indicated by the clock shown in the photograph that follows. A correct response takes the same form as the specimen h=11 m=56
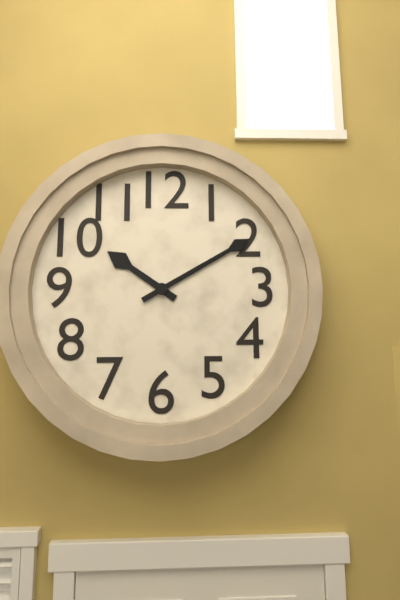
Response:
h=10 m=10
